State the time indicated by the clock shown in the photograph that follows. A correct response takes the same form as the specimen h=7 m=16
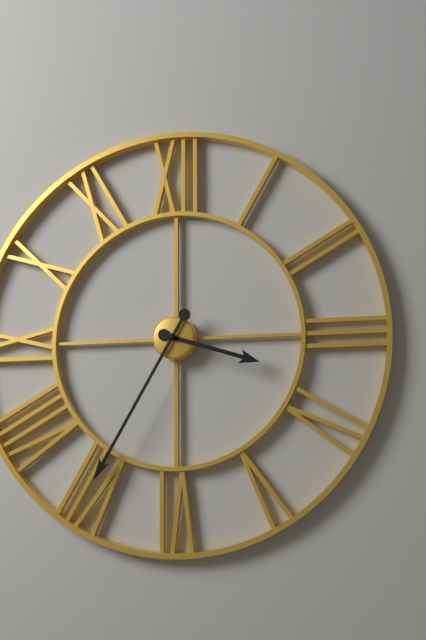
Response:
h=3 m=35
